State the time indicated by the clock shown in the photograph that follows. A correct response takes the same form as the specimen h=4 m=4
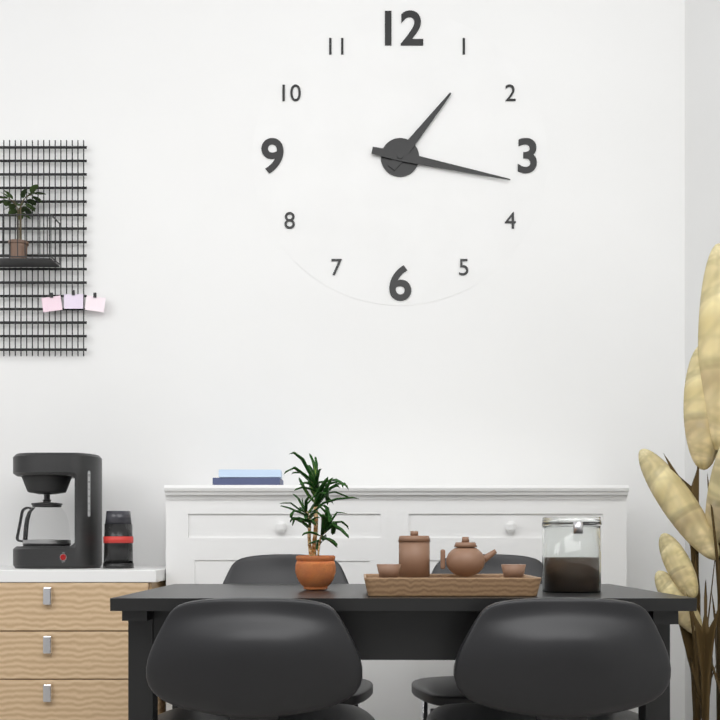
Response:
h=1 m=17
